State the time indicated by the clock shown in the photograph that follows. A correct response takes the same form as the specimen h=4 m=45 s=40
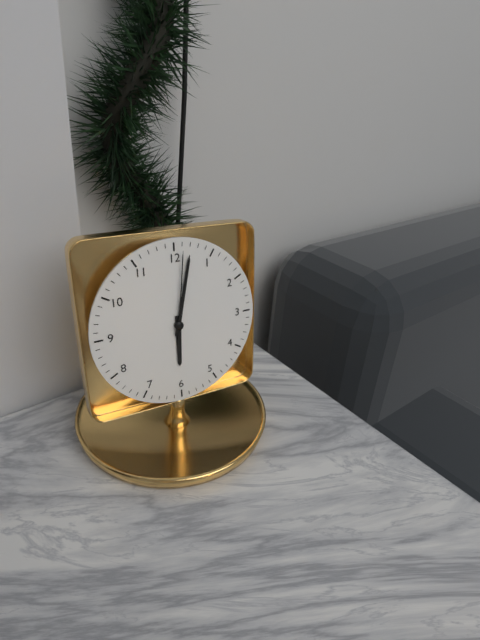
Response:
h=6 m=2 s=1
